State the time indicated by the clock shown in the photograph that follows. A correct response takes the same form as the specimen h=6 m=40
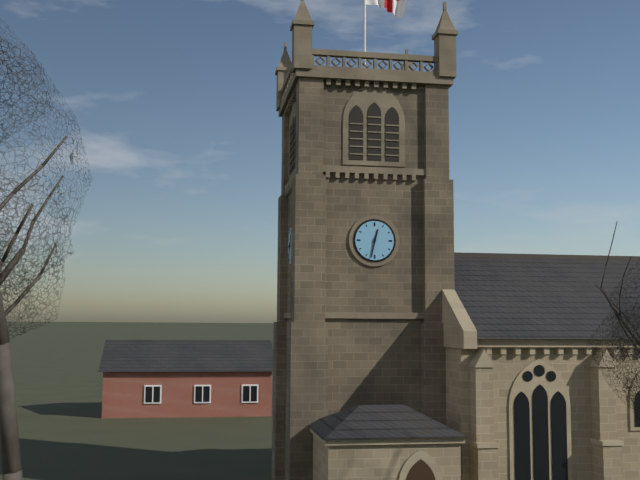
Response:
h=12 m=32
